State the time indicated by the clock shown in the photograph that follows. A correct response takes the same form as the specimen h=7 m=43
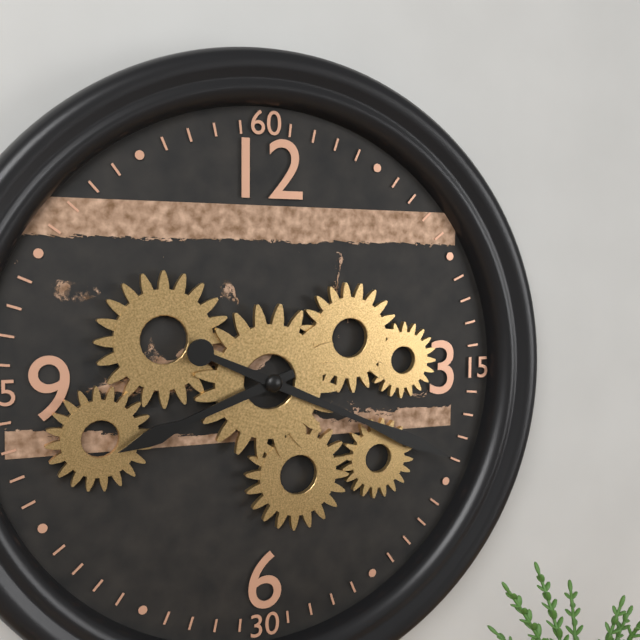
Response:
h=8 m=19
